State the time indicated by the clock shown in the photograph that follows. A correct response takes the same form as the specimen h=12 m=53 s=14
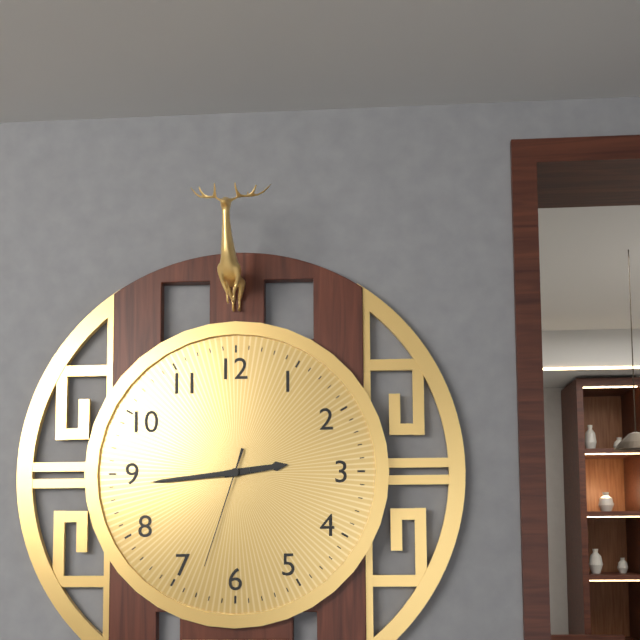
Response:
h=2 m=44 s=33
